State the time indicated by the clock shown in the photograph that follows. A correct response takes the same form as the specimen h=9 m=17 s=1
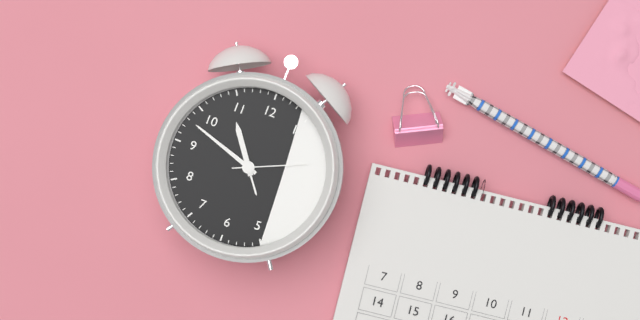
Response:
h=10 m=48 s=11
